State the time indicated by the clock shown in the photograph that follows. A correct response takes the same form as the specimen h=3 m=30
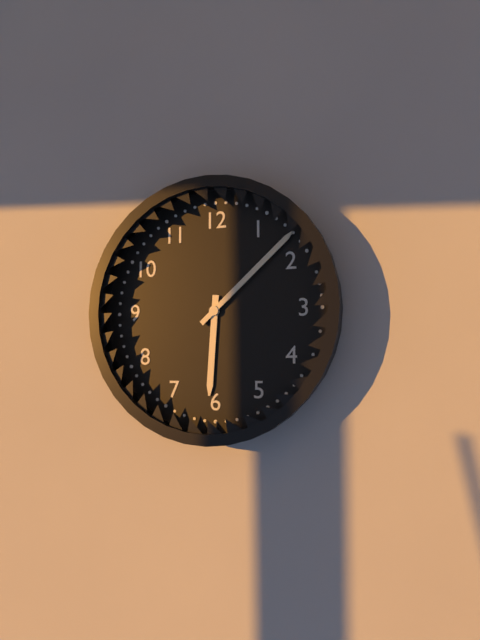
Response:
h=6 m=8
